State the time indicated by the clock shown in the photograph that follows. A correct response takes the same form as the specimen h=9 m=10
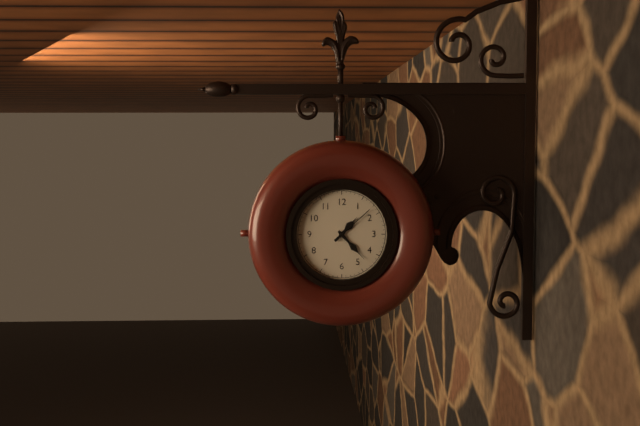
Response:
h=1 m=23
